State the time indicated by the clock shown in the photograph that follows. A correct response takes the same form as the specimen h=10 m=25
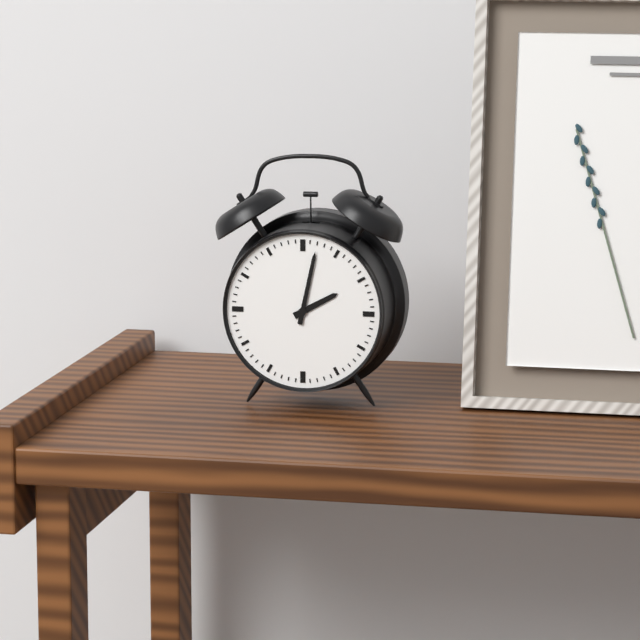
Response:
h=2 m=2
